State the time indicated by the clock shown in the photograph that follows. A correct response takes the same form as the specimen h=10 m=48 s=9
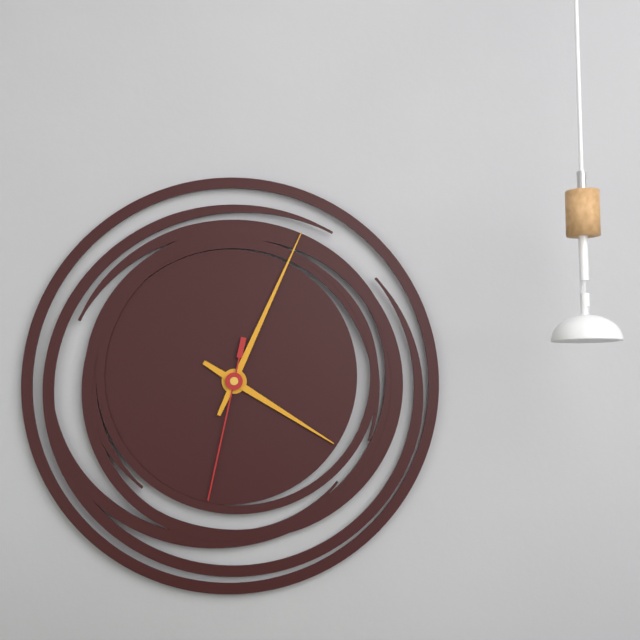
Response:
h=4 m=4 s=32
